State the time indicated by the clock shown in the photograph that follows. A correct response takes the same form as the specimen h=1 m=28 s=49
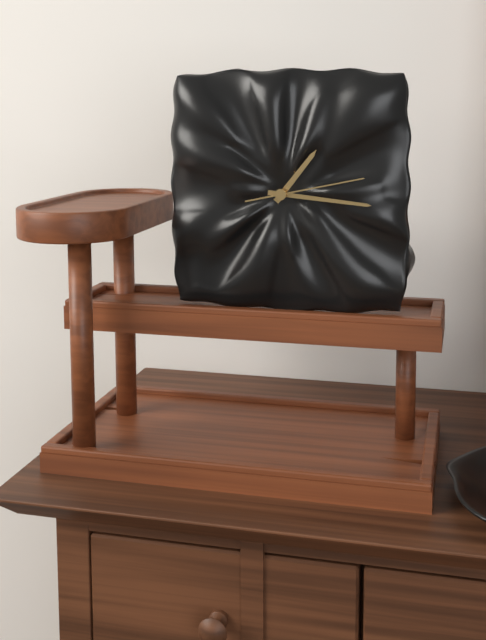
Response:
h=1 m=16 s=13
